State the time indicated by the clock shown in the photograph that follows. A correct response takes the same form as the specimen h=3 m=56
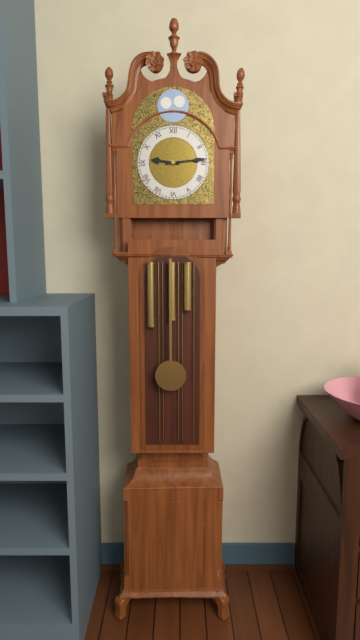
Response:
h=9 m=14
